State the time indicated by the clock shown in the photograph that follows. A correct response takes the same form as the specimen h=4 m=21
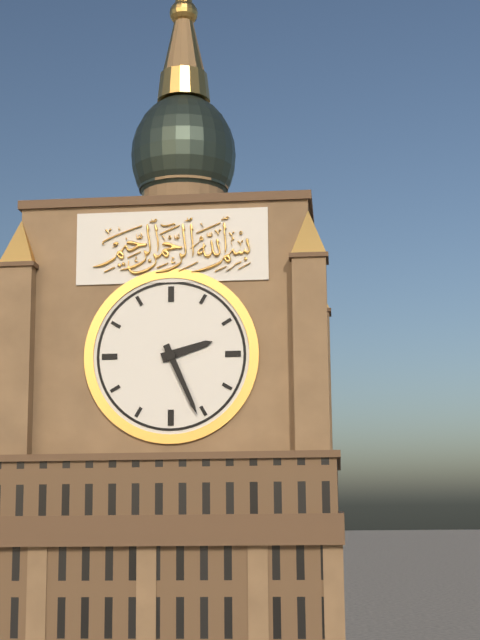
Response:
h=2 m=26
